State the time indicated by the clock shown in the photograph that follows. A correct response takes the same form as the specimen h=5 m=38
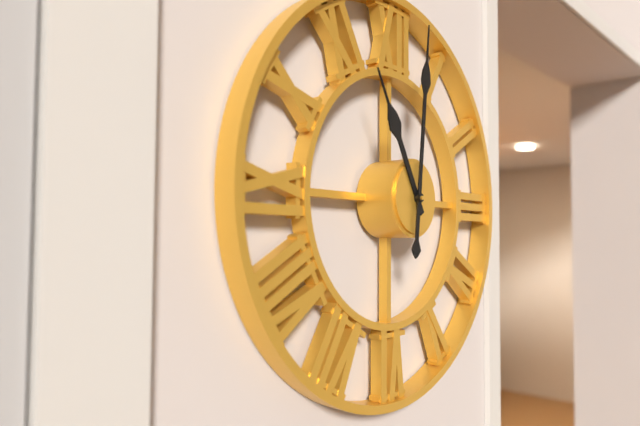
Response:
h=11 m=1
